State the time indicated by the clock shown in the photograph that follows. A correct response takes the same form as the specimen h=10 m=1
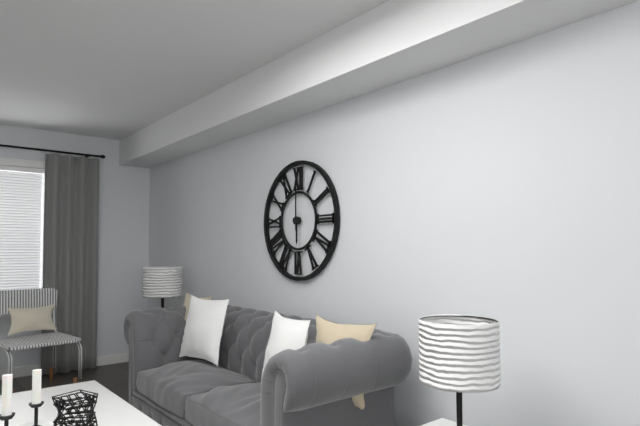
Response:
h=6 m=0
